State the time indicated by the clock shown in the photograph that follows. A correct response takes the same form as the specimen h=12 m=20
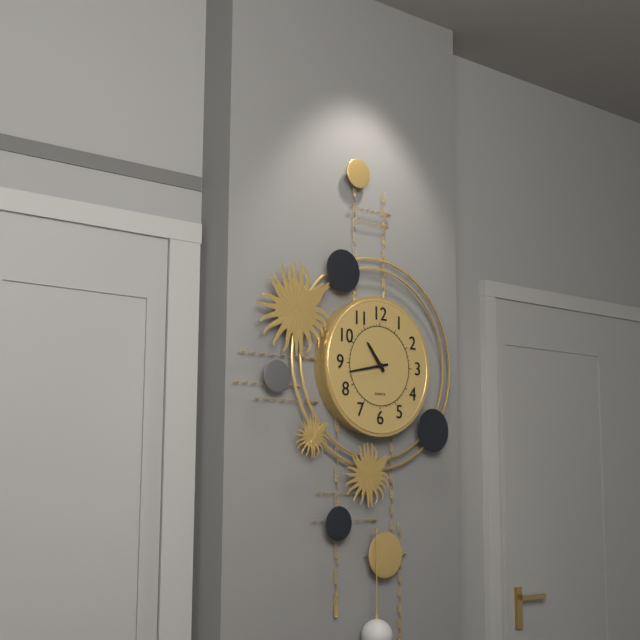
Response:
h=10 m=43
